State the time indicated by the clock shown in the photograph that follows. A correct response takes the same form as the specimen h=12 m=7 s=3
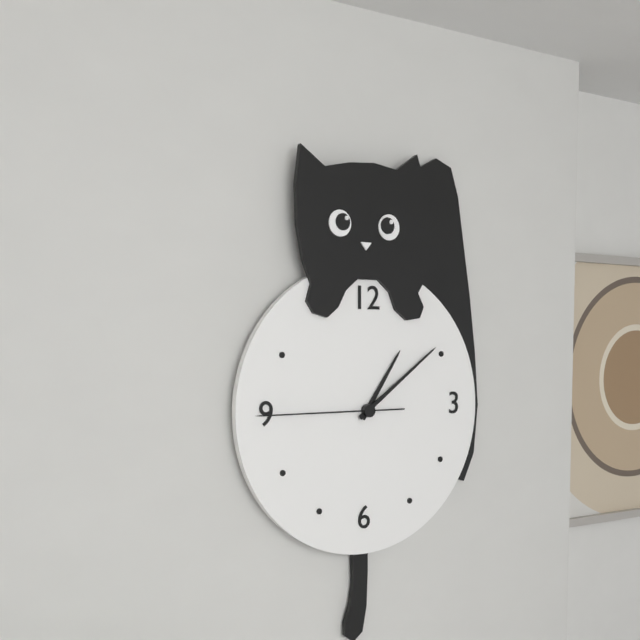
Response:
h=1 m=9 s=45
